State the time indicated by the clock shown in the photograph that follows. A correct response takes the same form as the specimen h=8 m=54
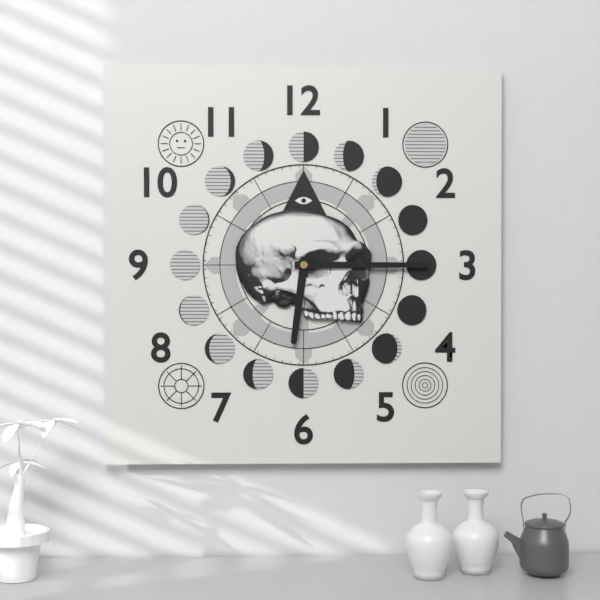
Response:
h=6 m=15
